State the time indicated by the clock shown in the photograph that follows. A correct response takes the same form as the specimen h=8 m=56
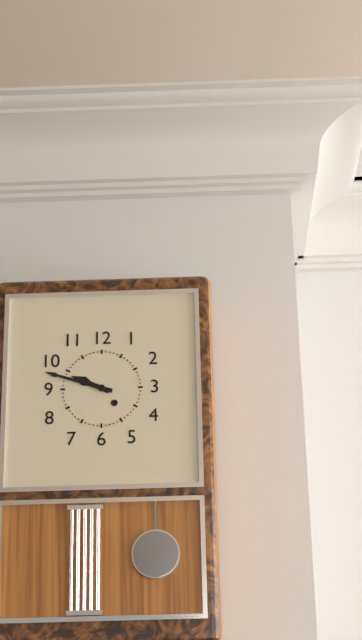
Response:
h=9 m=48
